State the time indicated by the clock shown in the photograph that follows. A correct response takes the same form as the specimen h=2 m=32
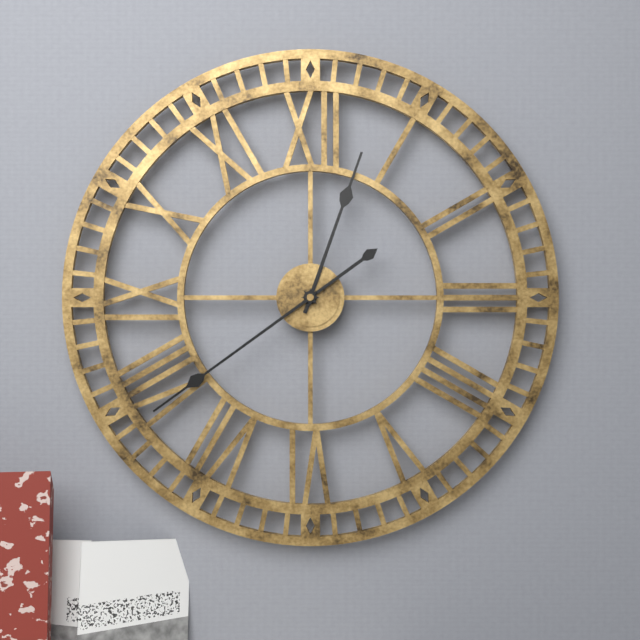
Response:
h=12 m=39
